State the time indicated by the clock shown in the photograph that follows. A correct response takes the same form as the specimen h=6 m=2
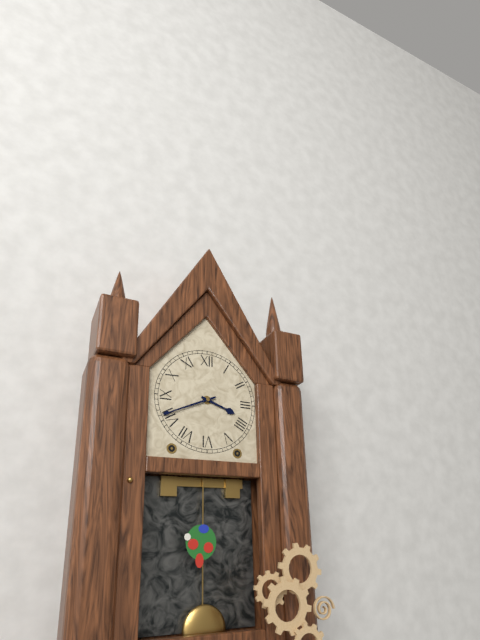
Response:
h=3 m=41
